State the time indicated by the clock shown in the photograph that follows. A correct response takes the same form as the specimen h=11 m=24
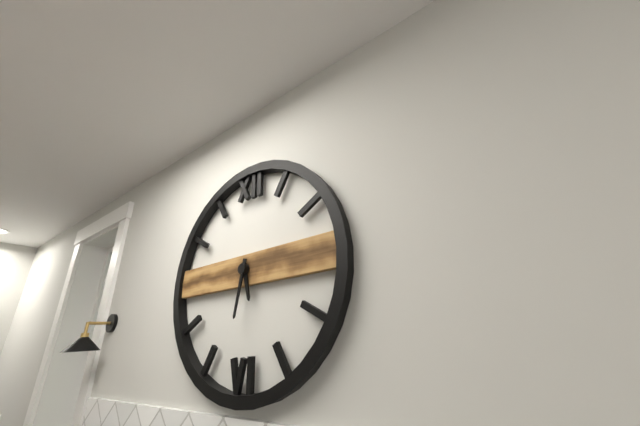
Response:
h=5 m=32
